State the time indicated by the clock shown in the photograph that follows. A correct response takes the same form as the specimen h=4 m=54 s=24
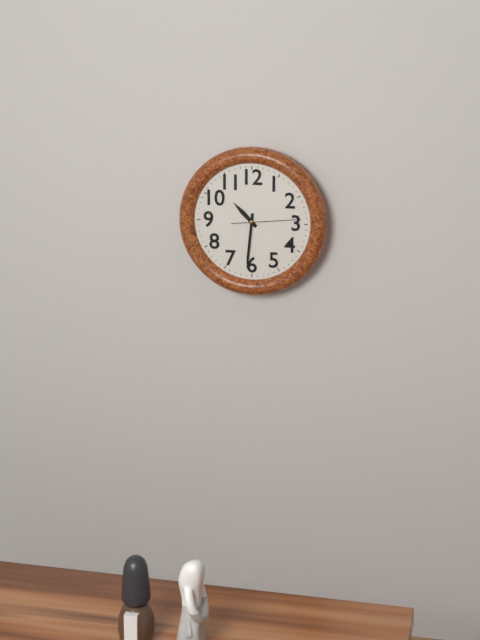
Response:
h=10 m=31 s=14
